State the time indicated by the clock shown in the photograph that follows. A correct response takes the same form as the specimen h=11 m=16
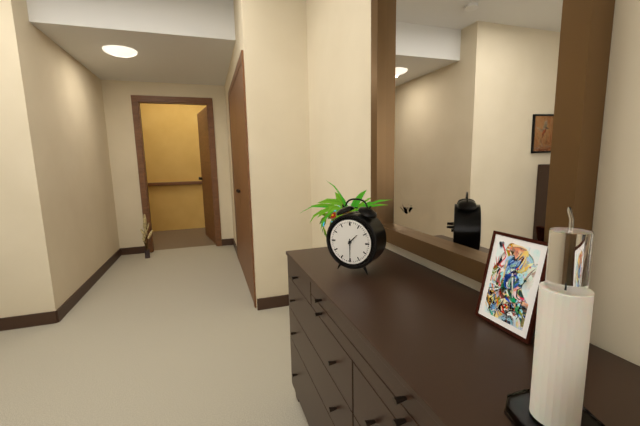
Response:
h=1 m=30
